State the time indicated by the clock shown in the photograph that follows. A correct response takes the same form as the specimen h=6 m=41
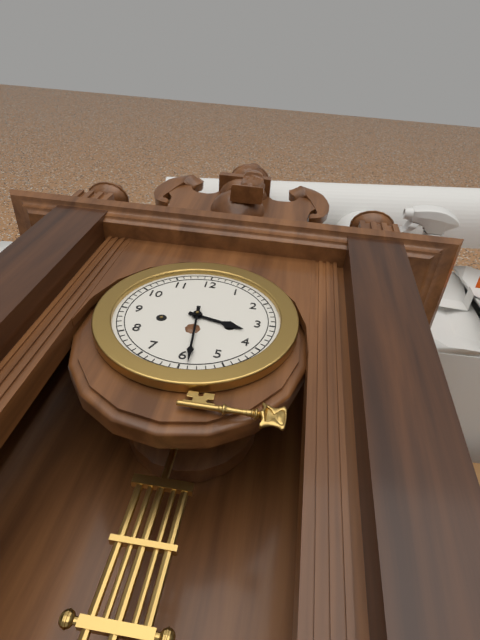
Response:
h=3 m=29
